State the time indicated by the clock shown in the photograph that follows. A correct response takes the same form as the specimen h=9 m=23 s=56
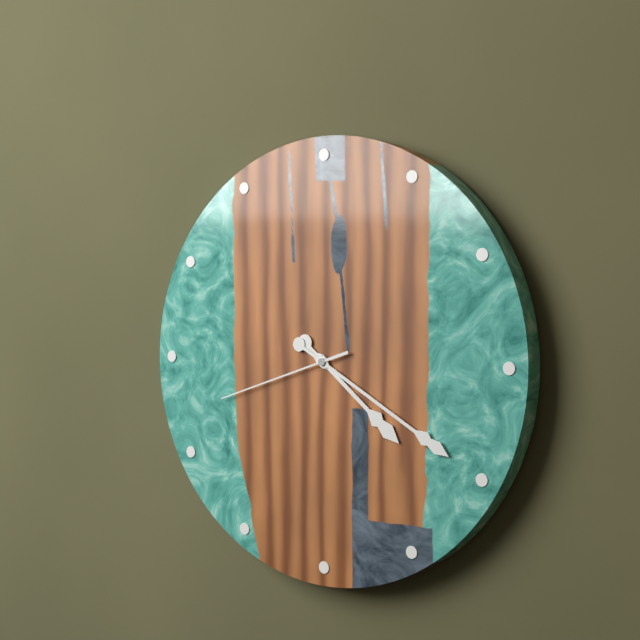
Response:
h=4 m=20 s=42
